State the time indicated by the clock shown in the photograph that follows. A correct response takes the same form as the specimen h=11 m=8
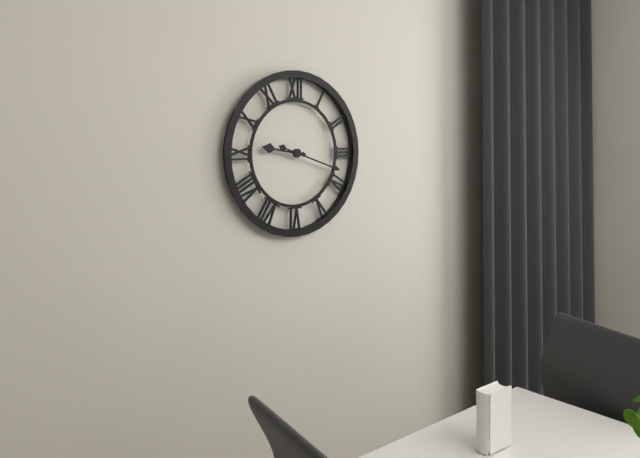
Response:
h=9 m=18
